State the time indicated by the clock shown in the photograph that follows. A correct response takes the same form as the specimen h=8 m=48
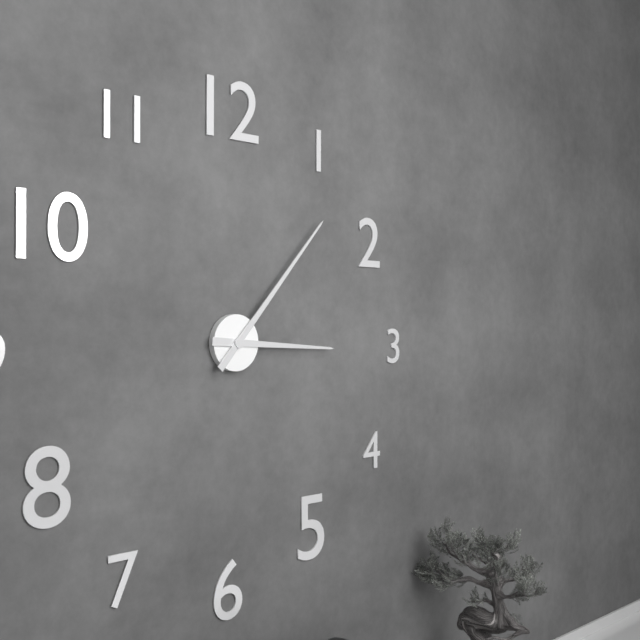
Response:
h=3 m=7
